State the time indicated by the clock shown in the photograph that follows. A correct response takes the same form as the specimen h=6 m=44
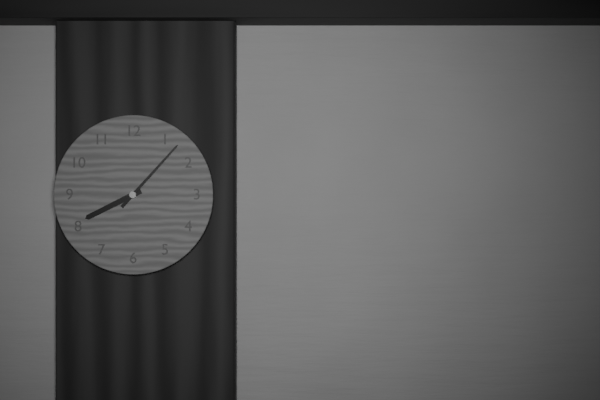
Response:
h=8 m=7
